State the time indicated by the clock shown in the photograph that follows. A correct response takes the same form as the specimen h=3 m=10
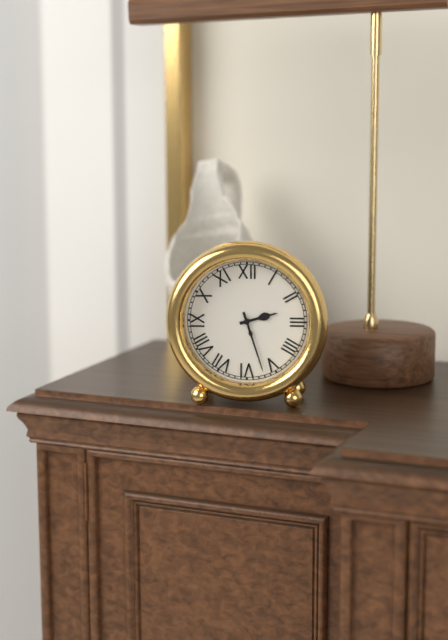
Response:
h=2 m=27
